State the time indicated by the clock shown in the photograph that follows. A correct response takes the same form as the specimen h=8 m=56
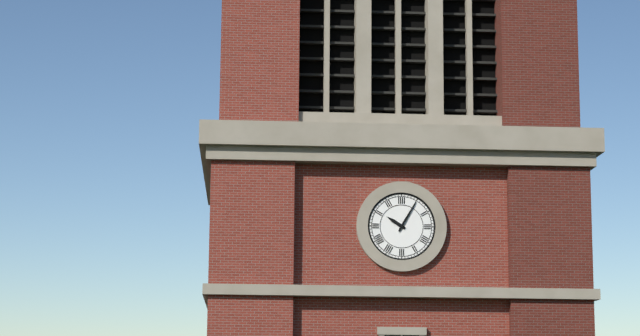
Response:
h=10 m=5
